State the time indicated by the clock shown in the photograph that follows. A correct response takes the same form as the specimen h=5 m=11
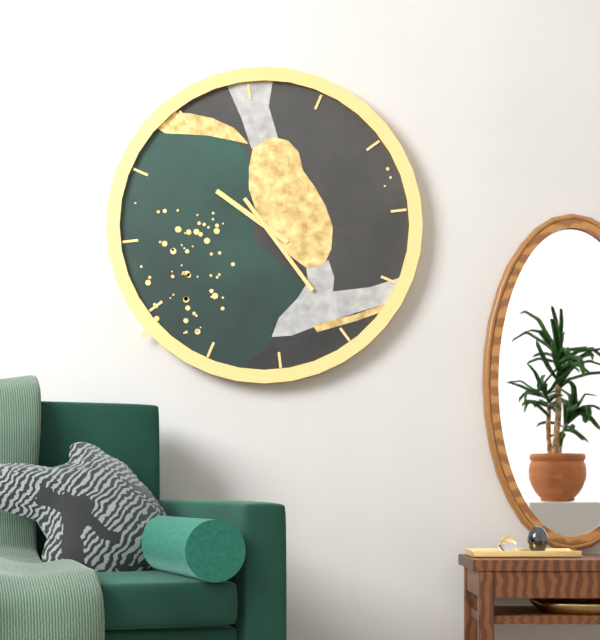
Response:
h=10 m=25
